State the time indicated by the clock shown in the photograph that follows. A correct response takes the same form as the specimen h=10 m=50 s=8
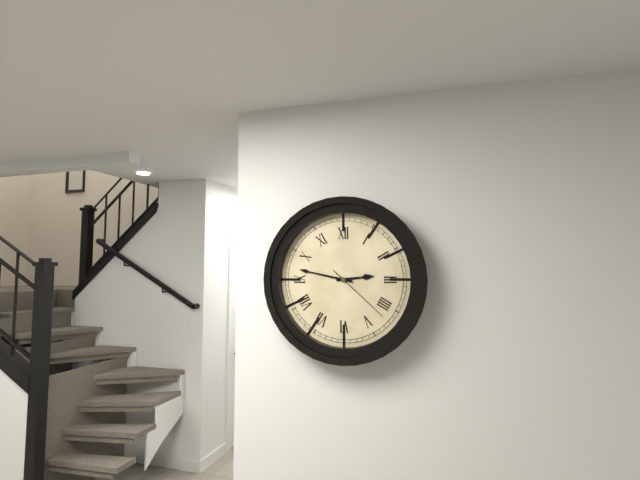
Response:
h=2 m=47 s=22
